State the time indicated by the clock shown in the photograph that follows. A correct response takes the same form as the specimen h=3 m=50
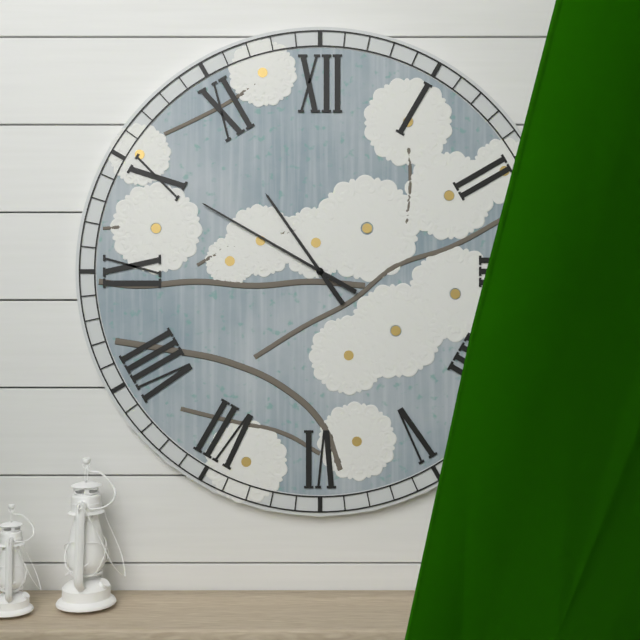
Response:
h=10 m=50
